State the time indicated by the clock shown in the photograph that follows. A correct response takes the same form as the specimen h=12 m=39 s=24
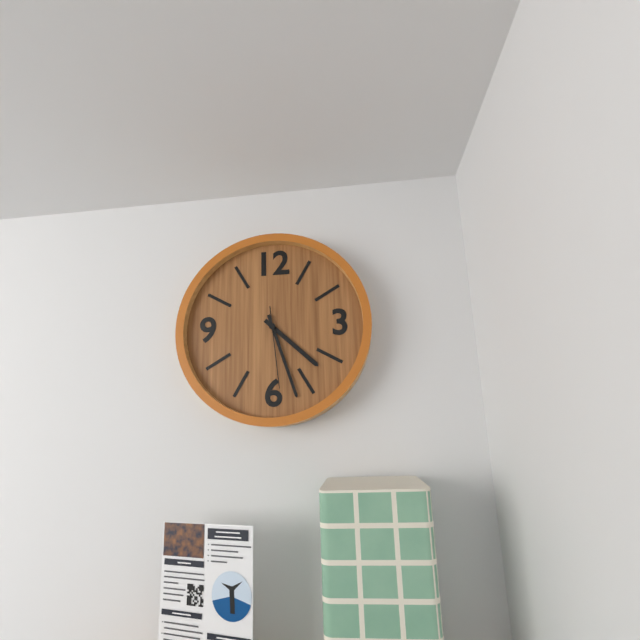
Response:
h=4 m=27 s=29
